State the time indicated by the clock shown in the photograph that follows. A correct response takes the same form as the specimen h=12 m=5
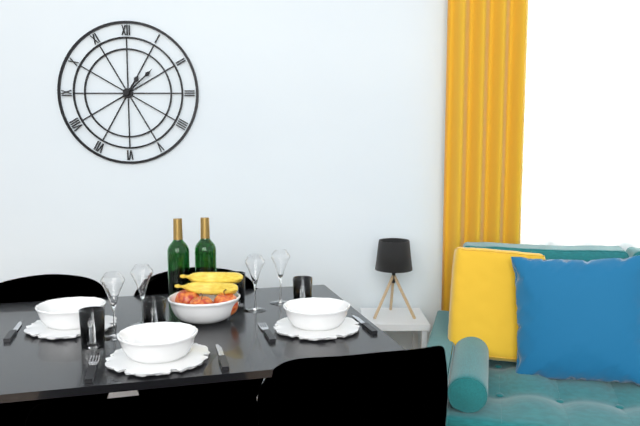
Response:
h=1 m=8
